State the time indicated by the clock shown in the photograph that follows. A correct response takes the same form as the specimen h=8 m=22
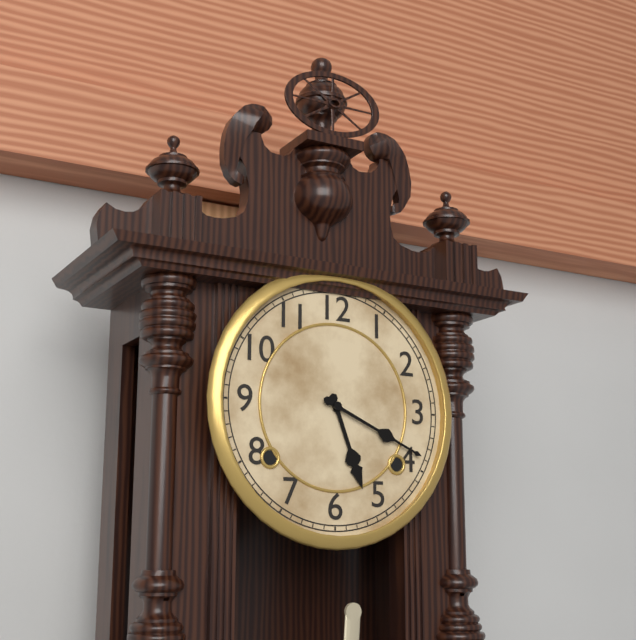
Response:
h=5 m=19
